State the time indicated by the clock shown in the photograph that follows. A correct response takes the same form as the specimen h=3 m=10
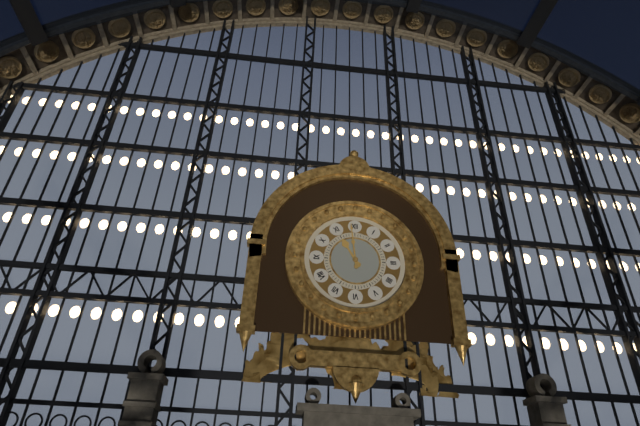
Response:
h=10 m=59
